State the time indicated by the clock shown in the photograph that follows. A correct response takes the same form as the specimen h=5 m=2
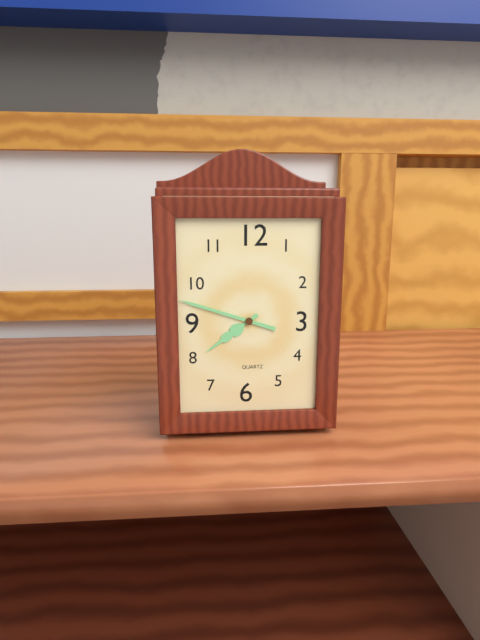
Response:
h=7 m=48
